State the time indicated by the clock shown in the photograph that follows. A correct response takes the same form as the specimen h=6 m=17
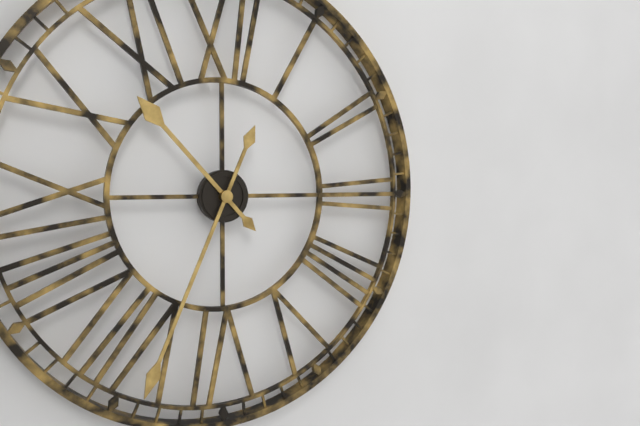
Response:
h=10 m=34
